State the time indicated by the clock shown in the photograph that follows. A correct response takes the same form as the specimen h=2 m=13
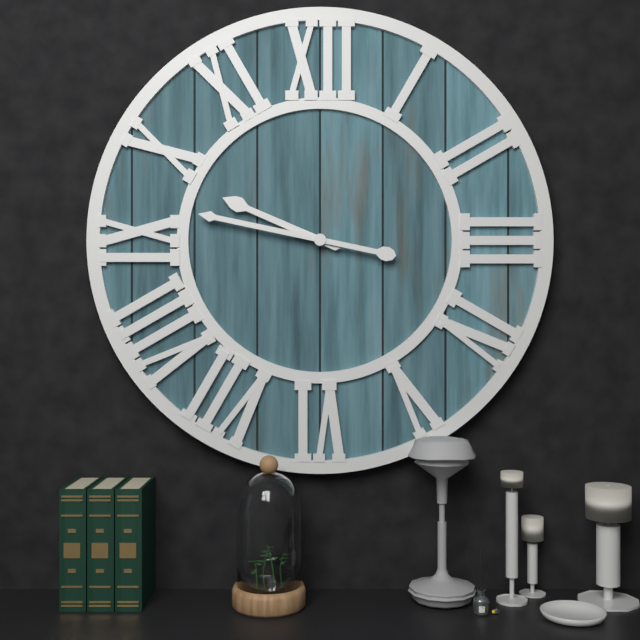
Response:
h=9 m=47
